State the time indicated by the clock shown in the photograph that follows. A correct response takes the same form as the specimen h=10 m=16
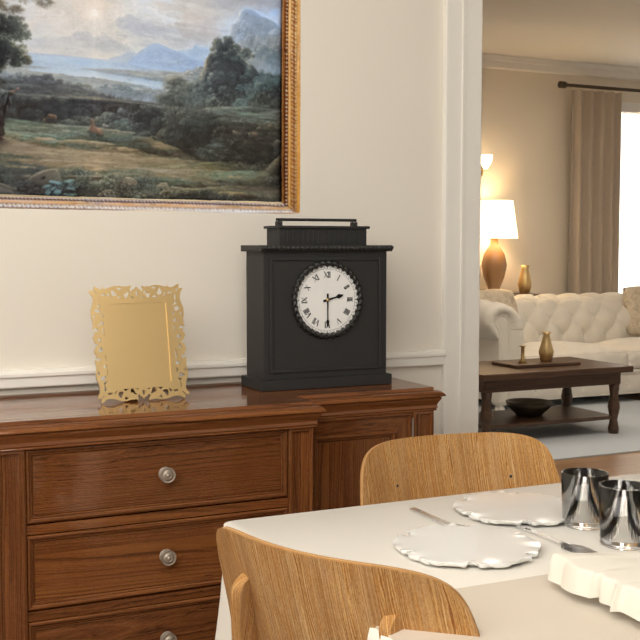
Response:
h=2 m=30
